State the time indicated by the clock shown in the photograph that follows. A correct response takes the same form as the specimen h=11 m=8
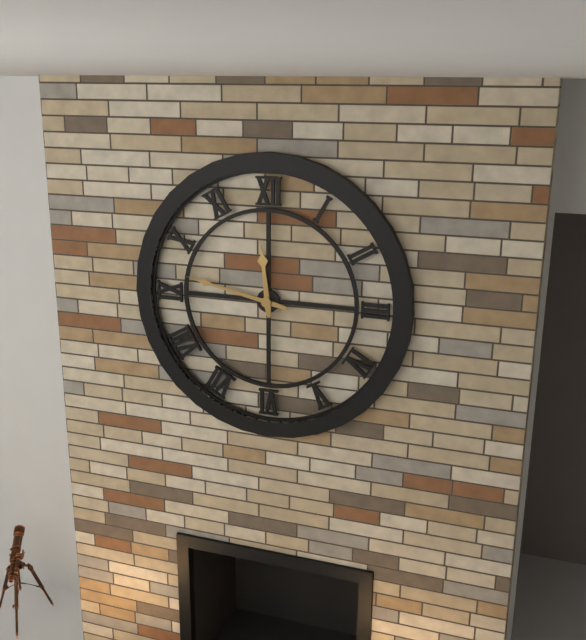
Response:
h=11 m=47
